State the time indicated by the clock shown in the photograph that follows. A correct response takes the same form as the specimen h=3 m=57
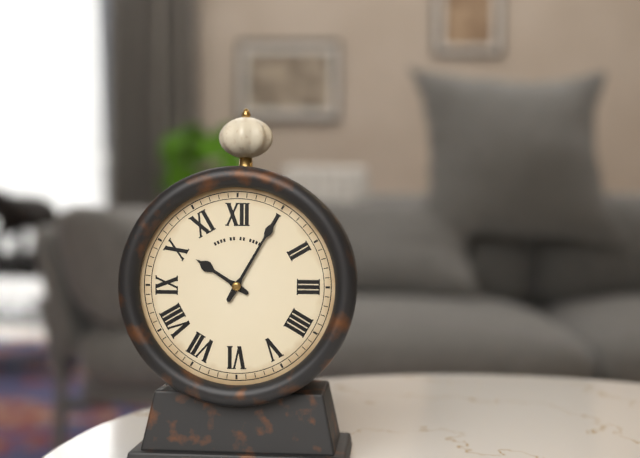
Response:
h=10 m=5
